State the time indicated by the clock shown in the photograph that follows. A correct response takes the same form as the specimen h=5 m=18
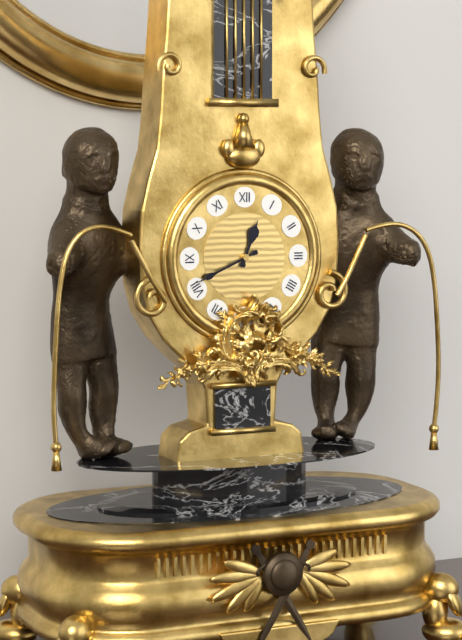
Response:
h=12 m=41
